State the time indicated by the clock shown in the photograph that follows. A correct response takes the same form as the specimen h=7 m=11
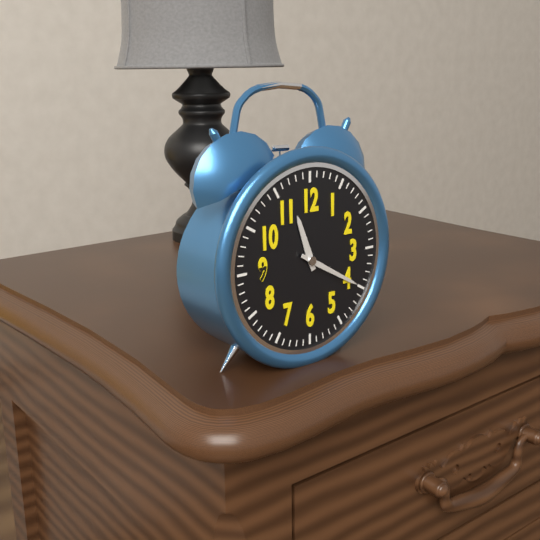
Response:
h=11 m=20
